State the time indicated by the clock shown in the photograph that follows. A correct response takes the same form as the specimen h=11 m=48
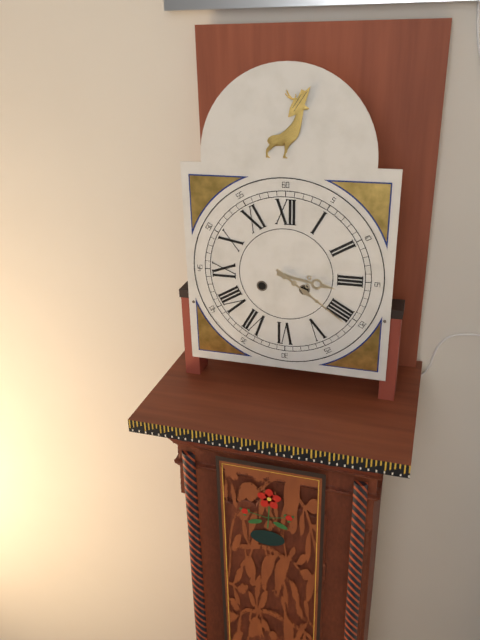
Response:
h=3 m=21
